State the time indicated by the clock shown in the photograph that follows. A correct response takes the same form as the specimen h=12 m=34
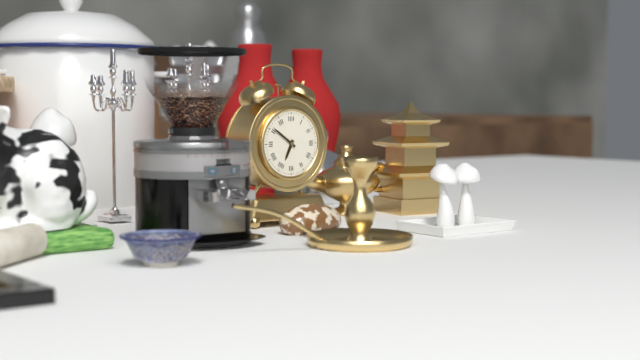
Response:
h=6 m=51
